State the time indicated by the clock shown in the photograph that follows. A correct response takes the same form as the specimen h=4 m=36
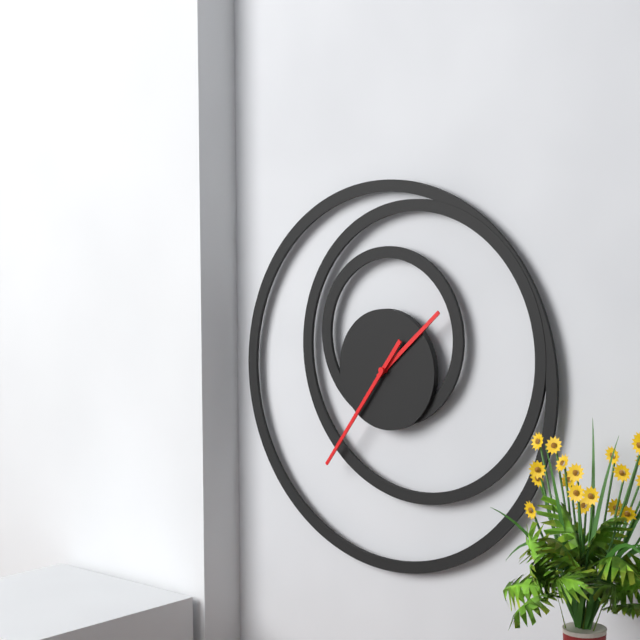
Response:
h=1 m=36
